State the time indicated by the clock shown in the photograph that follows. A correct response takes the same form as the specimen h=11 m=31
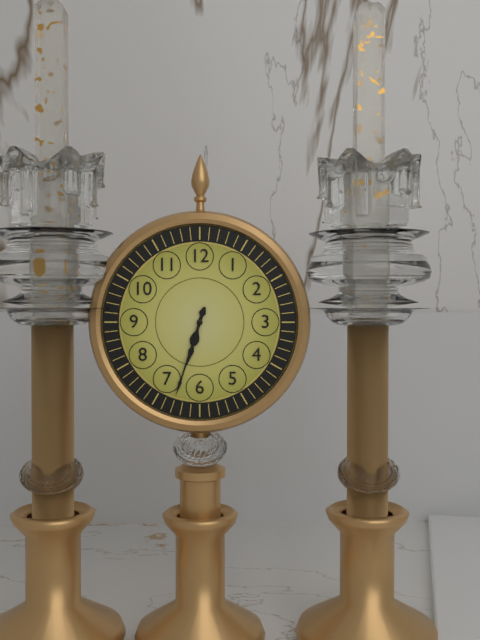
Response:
h=6 m=33
